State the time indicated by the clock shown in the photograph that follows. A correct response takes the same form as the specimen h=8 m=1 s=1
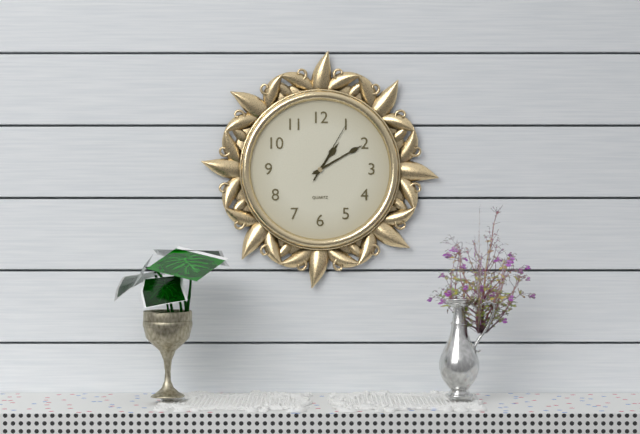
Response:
h=1 m=10 s=5
